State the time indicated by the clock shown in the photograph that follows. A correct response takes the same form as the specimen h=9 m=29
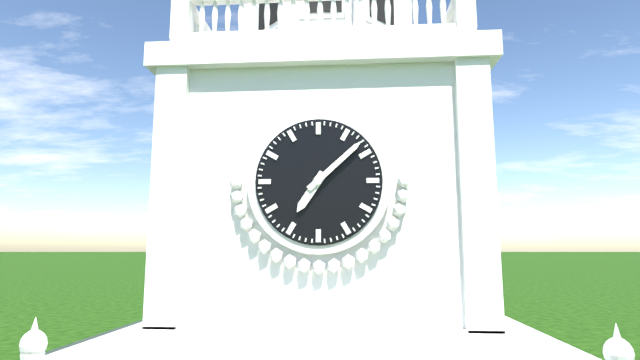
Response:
h=7 m=8
